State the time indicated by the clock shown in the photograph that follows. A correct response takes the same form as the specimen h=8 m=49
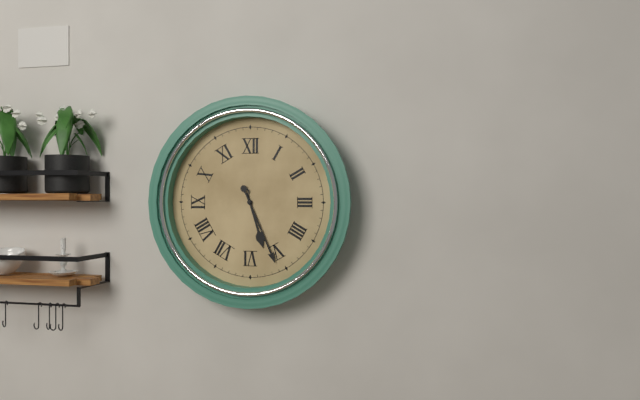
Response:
h=5 m=26
